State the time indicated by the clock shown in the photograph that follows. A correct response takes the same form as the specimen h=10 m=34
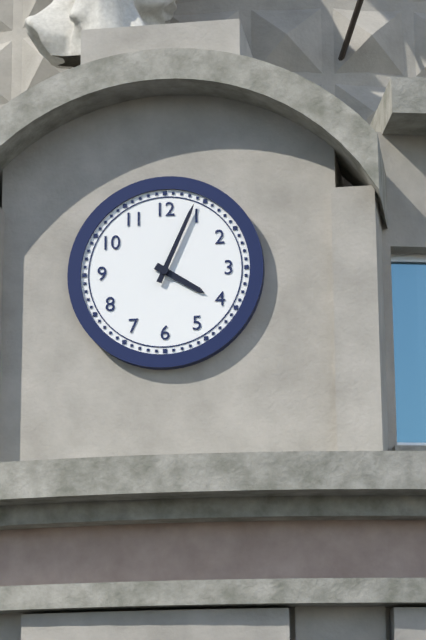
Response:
h=4 m=4
